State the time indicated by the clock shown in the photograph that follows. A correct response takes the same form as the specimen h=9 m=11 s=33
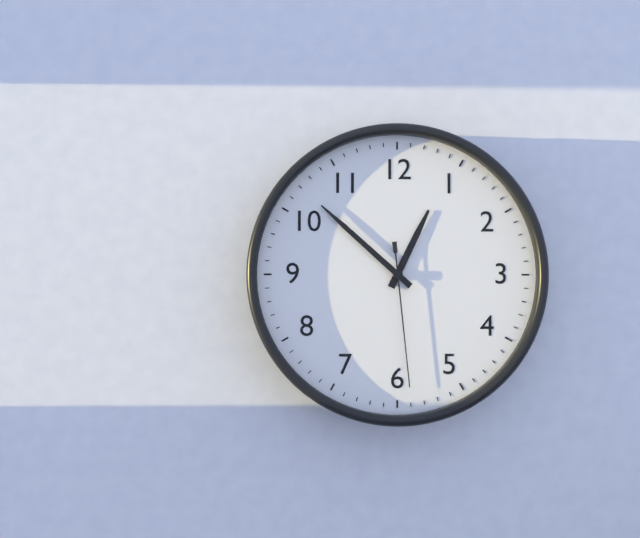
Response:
h=12 m=52 s=29
